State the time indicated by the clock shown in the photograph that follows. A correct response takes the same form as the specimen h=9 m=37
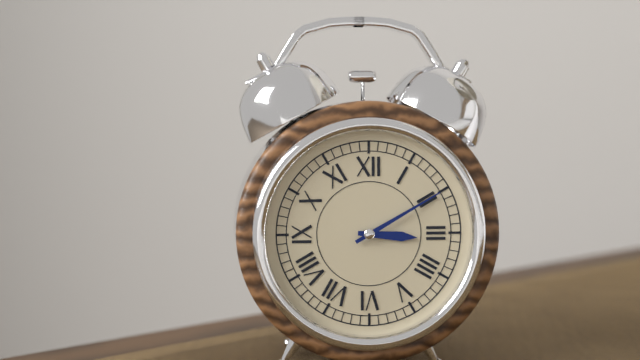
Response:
h=3 m=10
